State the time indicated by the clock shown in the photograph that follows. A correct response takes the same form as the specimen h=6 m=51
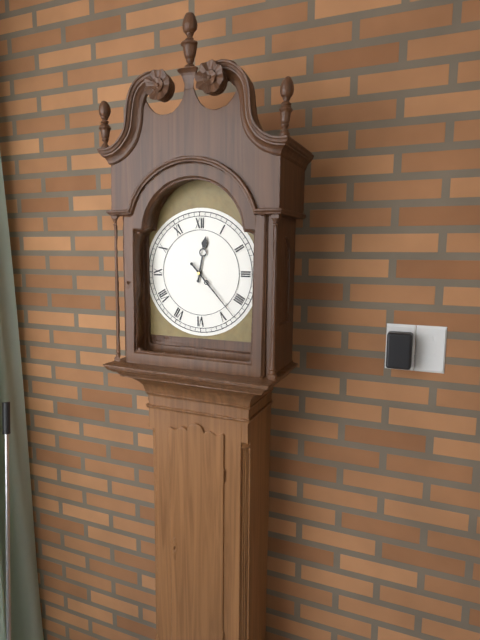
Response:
h=12 m=23
